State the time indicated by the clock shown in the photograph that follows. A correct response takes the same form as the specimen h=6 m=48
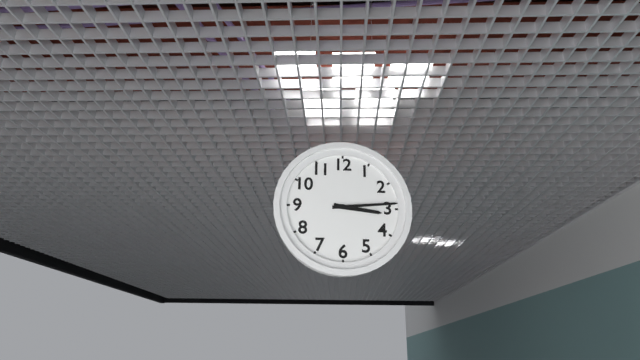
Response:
h=3 m=14
